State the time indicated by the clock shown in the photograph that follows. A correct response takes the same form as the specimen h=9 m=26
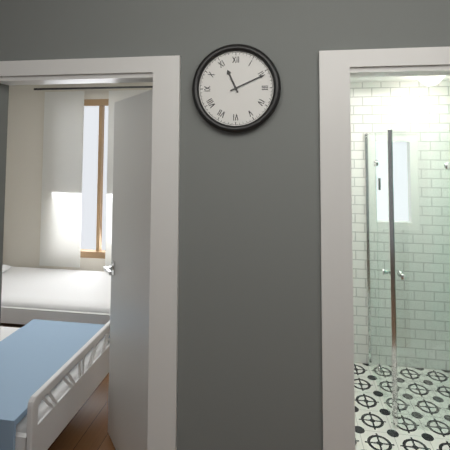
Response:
h=11 m=11
